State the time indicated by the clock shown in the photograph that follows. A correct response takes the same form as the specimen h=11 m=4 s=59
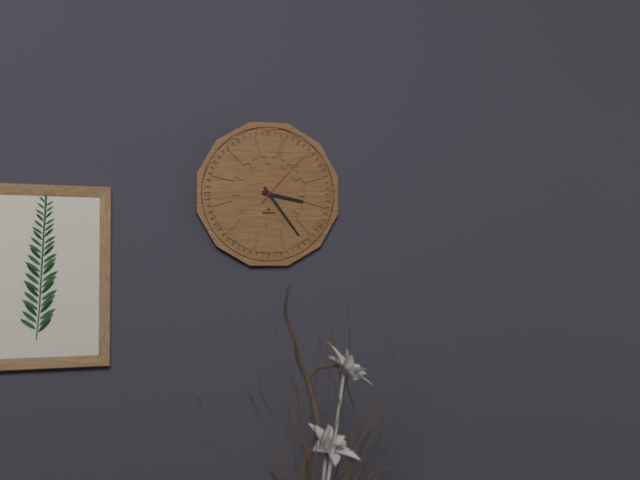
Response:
h=3 m=24 s=7
